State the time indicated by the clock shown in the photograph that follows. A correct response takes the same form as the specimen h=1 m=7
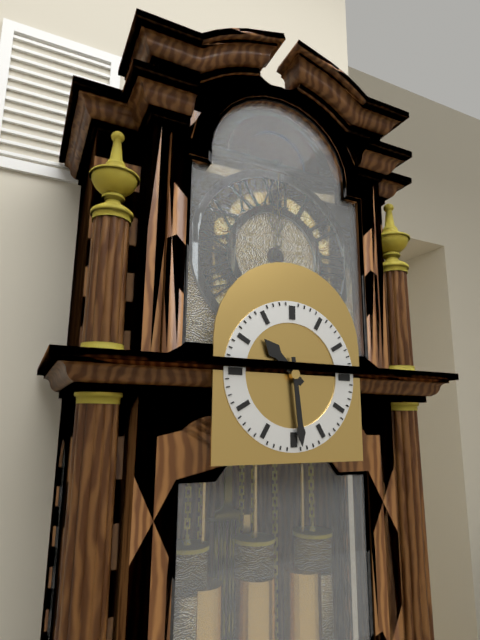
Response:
h=10 m=29
